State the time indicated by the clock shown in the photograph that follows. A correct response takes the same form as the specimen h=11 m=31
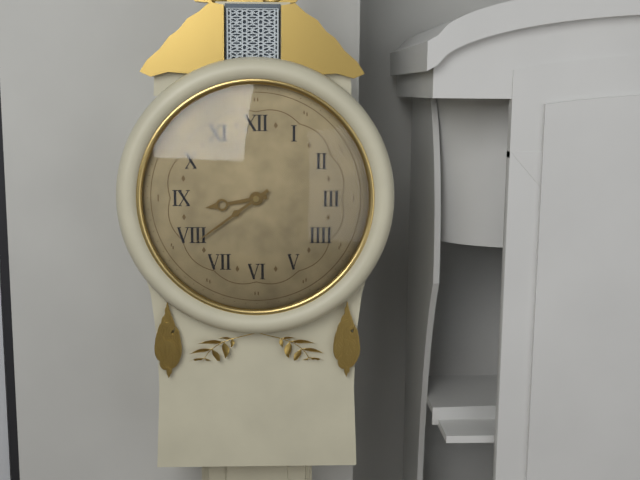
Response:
h=8 m=39
